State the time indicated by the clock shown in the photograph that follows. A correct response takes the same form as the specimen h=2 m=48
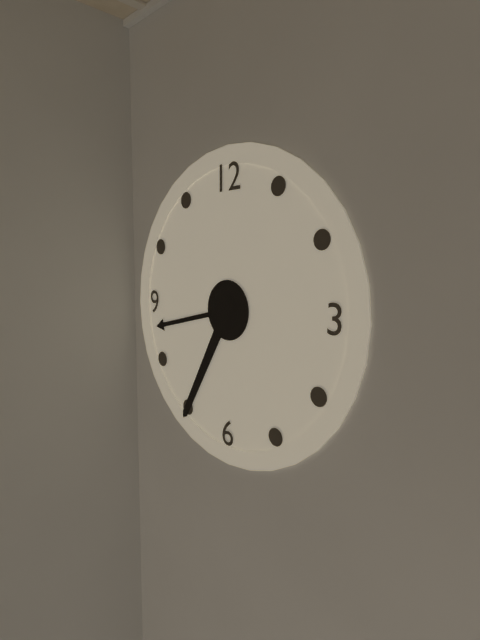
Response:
h=8 m=35
